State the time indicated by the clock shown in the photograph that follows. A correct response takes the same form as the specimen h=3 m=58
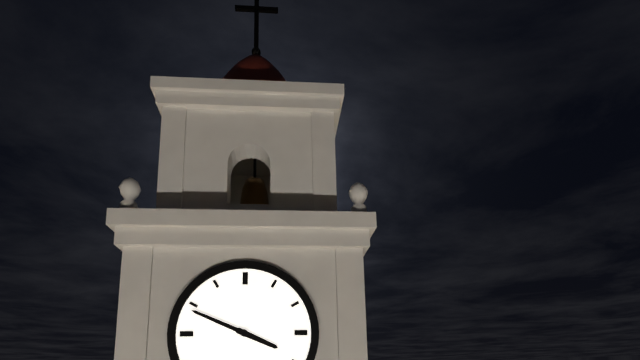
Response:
h=3 m=49
